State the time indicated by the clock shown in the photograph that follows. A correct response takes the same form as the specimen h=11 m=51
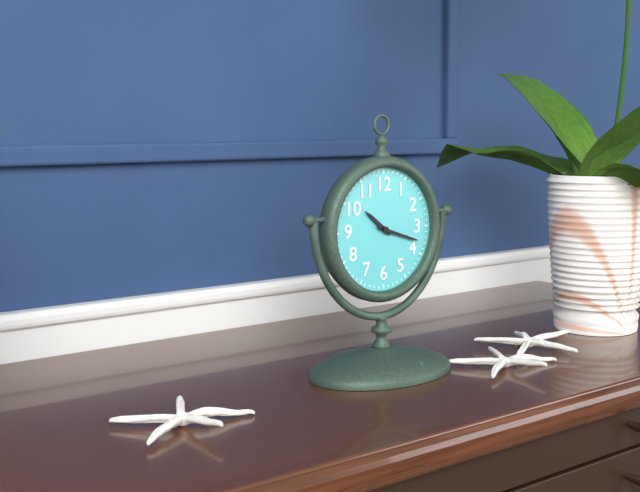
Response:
h=10 m=18
